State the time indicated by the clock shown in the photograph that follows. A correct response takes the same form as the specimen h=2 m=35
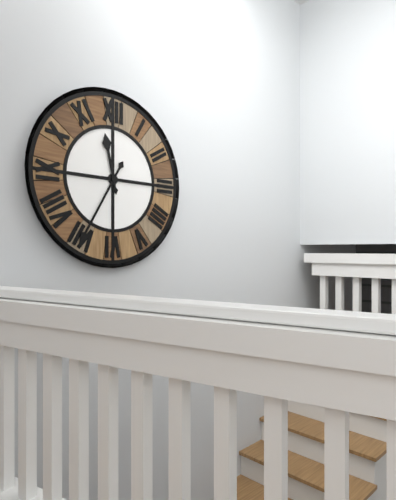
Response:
h=11 m=35
